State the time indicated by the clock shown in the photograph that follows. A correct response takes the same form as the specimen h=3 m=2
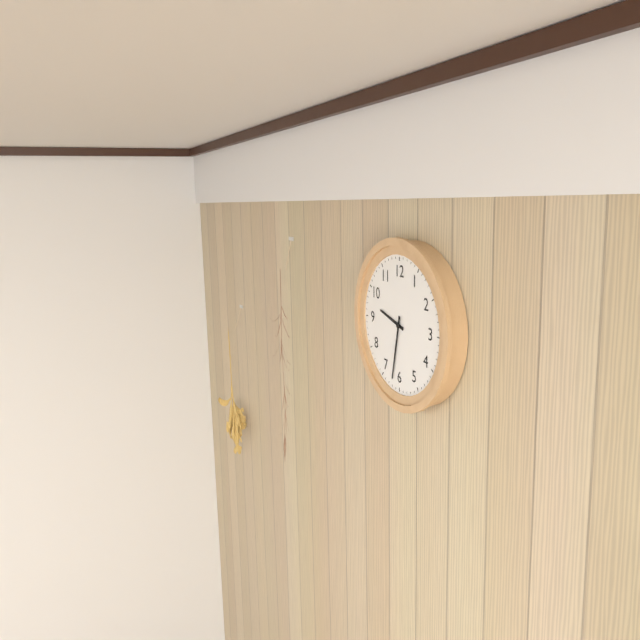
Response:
h=9 m=32
